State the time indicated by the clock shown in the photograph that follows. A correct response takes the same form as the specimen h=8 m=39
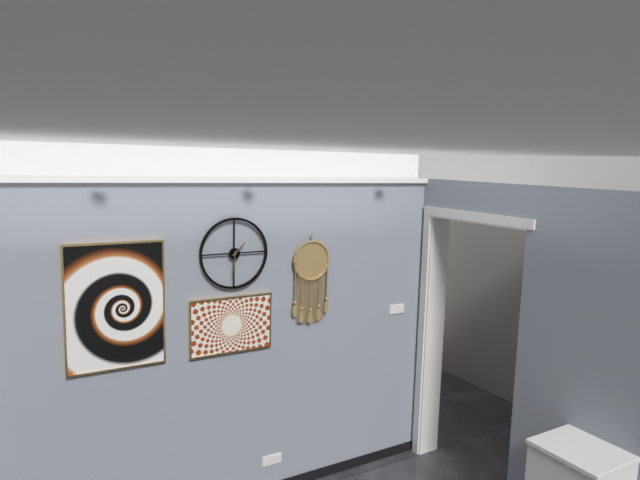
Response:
h=1 m=31
